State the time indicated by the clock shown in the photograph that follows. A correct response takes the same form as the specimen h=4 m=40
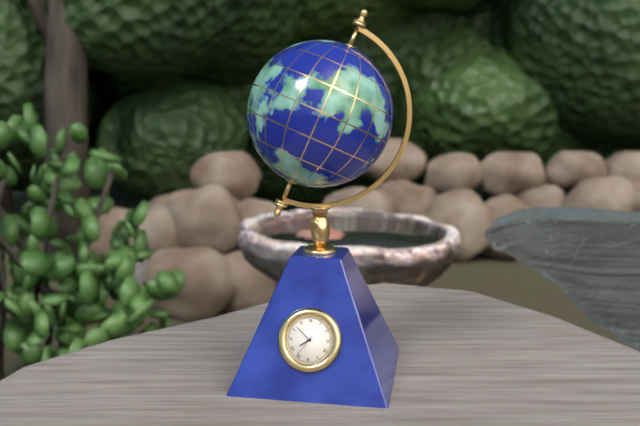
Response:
h=7 m=52
